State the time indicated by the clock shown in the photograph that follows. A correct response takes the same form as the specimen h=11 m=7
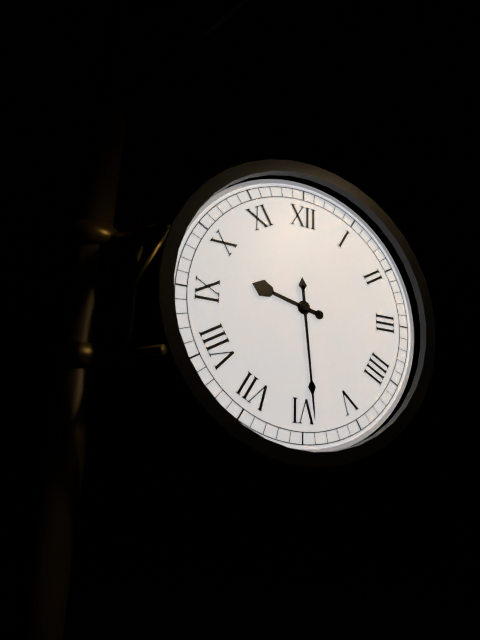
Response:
h=9 m=29
